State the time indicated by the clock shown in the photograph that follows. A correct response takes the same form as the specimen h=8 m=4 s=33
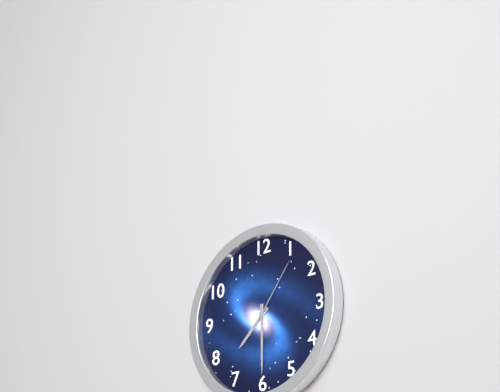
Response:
h=7 m=30 s=6
